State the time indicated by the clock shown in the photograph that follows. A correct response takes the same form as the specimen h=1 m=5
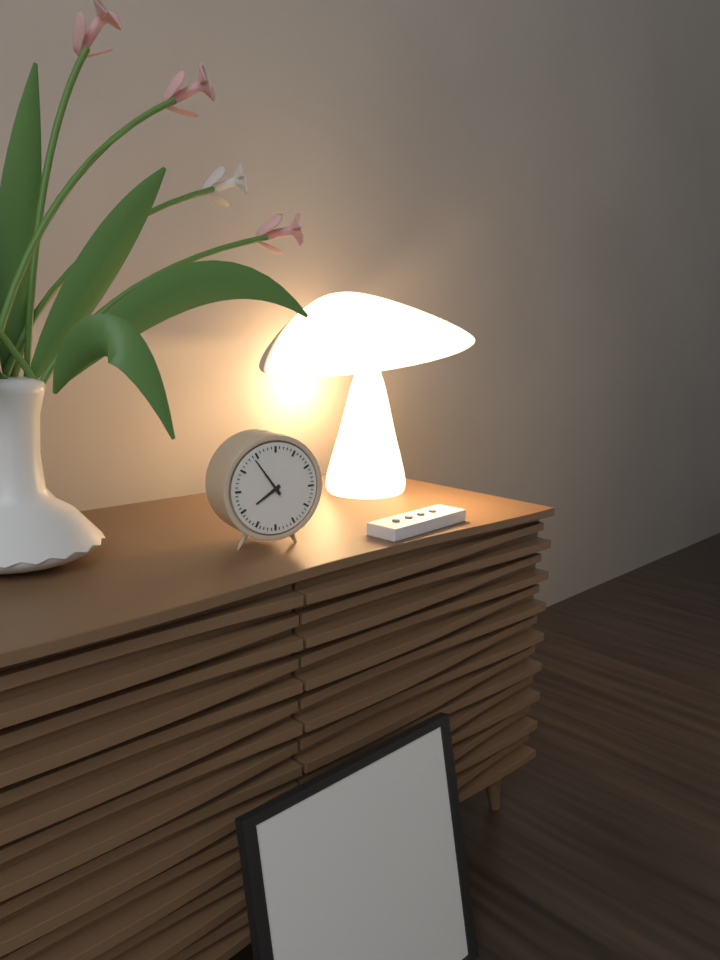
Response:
h=7 m=54
